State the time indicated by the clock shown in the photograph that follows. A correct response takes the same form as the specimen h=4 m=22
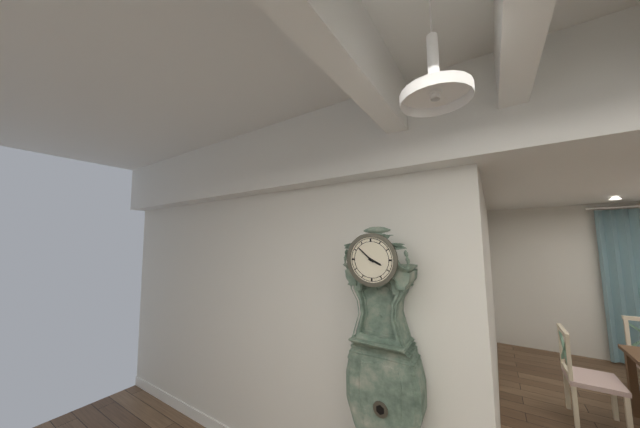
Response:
h=3 m=52
